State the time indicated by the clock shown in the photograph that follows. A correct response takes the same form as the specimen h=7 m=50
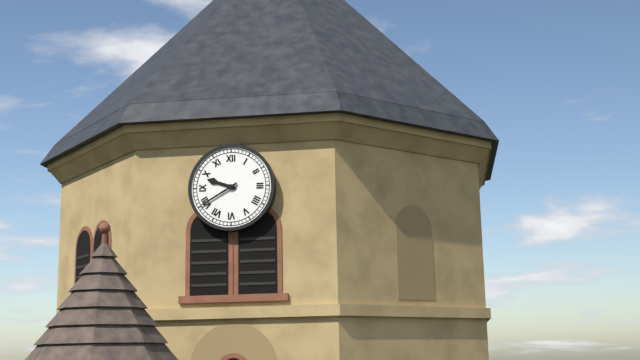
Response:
h=9 m=40
